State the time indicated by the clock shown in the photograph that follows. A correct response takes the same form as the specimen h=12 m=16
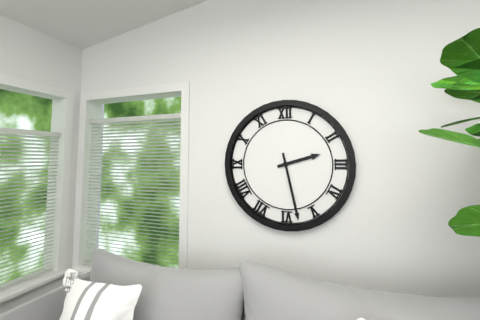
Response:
h=2 m=28
